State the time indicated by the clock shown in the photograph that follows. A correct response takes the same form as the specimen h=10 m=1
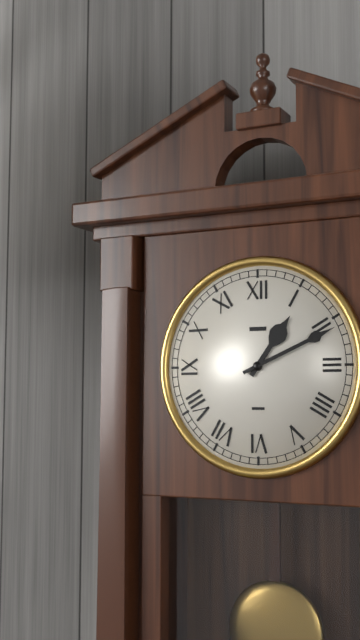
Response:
h=1 m=11
